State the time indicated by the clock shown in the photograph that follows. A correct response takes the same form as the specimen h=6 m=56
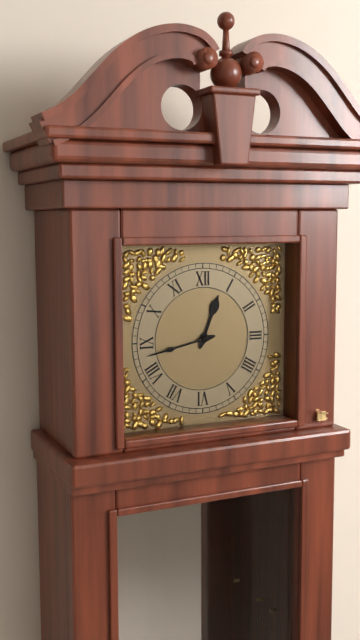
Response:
h=12 m=43
